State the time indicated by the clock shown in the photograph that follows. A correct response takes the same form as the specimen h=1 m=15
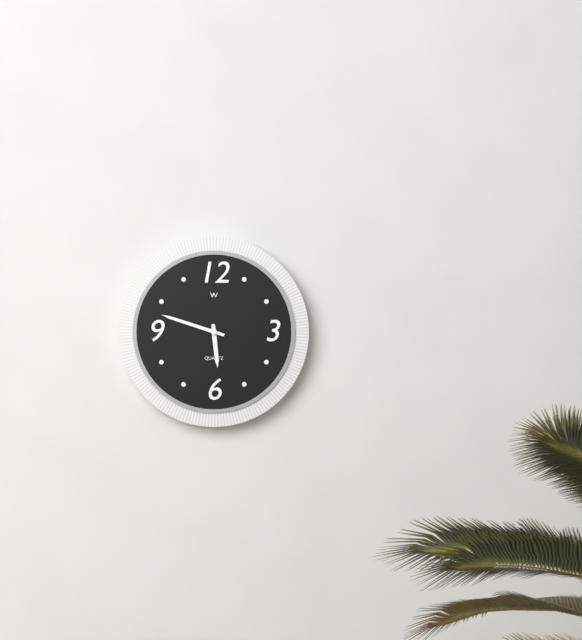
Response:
h=5 m=48
